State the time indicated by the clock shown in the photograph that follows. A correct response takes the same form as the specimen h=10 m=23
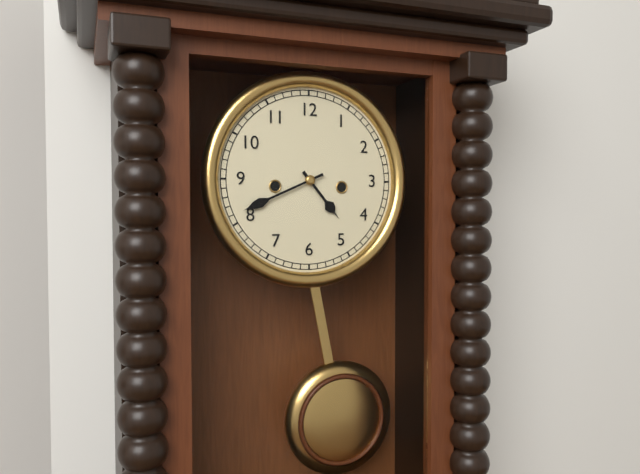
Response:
h=4 m=41
